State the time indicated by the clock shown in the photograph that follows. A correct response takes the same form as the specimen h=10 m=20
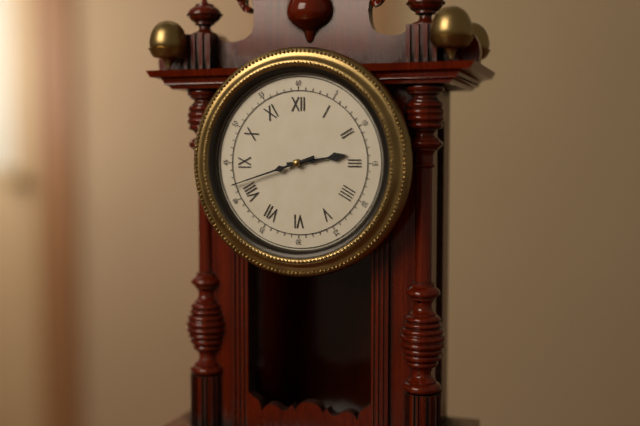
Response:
h=2 m=42
